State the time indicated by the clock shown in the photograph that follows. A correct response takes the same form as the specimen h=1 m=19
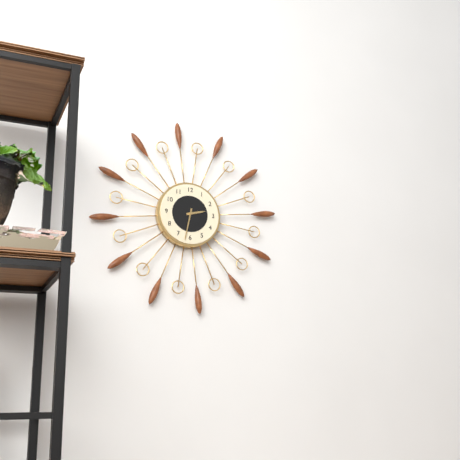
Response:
h=2 m=32
